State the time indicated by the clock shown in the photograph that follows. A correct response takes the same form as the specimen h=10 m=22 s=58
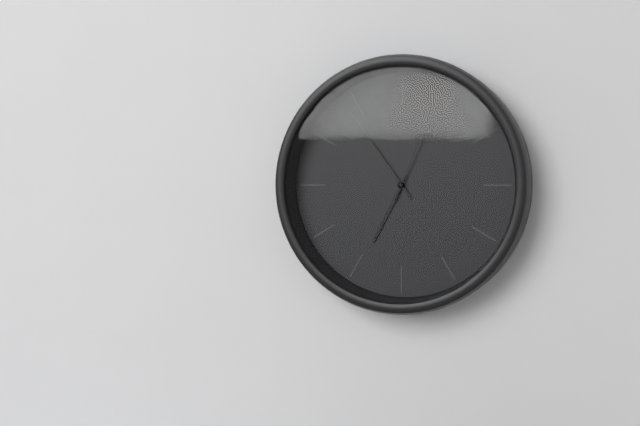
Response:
h=6 m=54 s=4
